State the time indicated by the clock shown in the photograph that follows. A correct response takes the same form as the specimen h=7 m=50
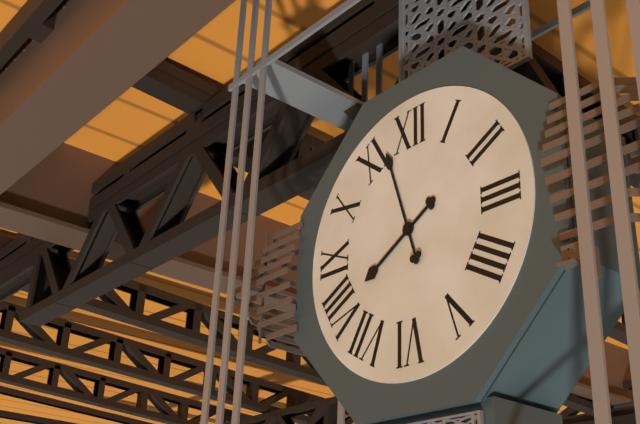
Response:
h=7 m=57
